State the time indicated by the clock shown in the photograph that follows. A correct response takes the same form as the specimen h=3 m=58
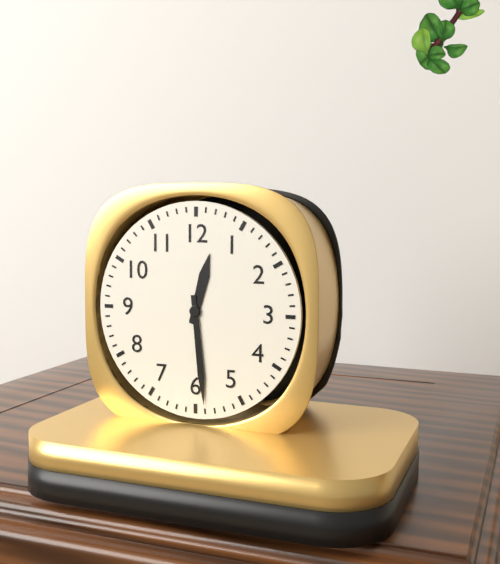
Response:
h=12 m=29
